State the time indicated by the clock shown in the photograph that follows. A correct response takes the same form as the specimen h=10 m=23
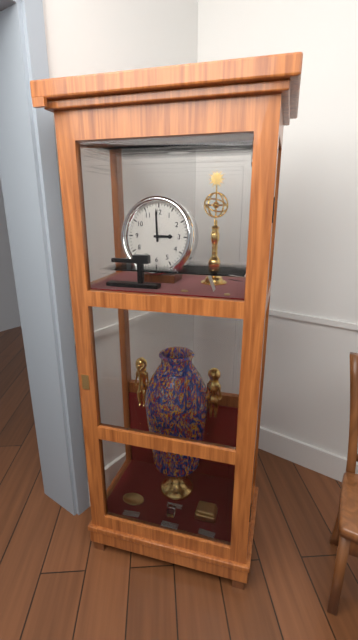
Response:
h=2 m=59
